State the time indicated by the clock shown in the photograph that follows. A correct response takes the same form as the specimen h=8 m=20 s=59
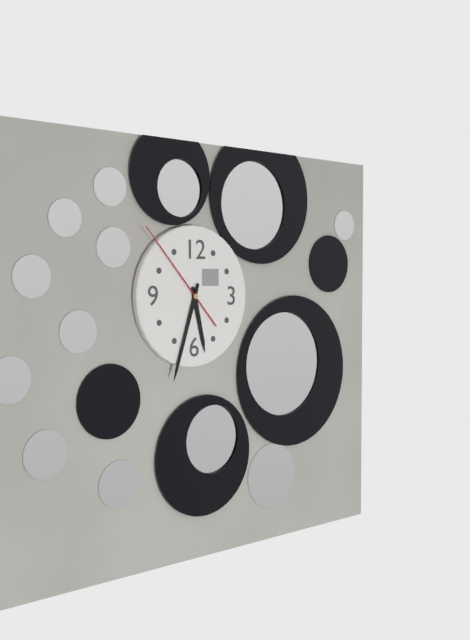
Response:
h=5 m=33 s=53
